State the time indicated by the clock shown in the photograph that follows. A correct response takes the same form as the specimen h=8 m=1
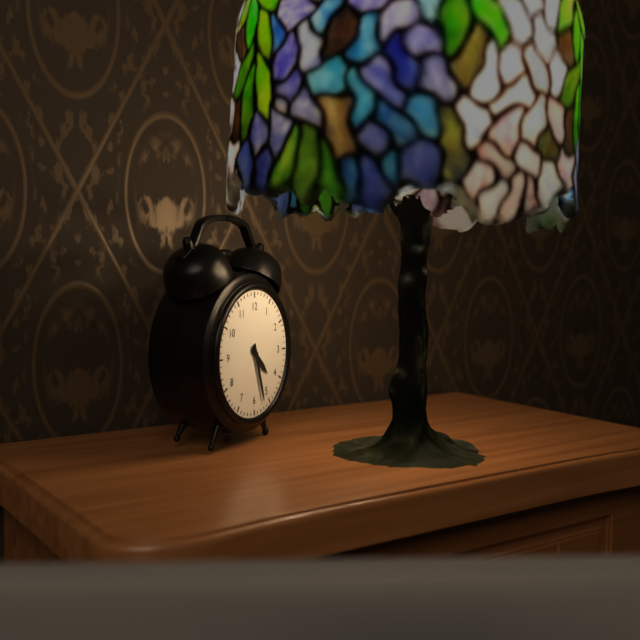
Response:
h=4 m=27
